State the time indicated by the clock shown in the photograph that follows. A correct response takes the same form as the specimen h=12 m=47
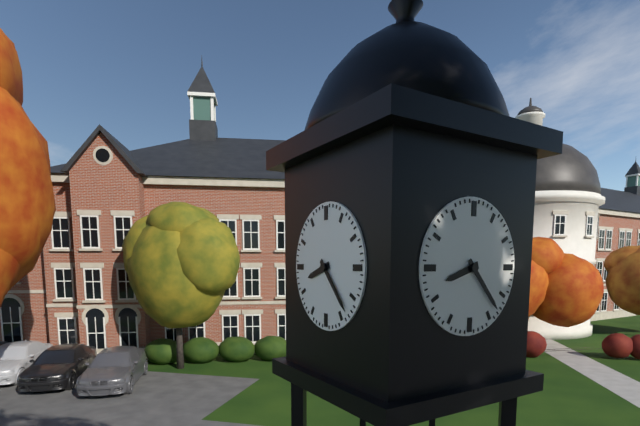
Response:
h=8 m=23
